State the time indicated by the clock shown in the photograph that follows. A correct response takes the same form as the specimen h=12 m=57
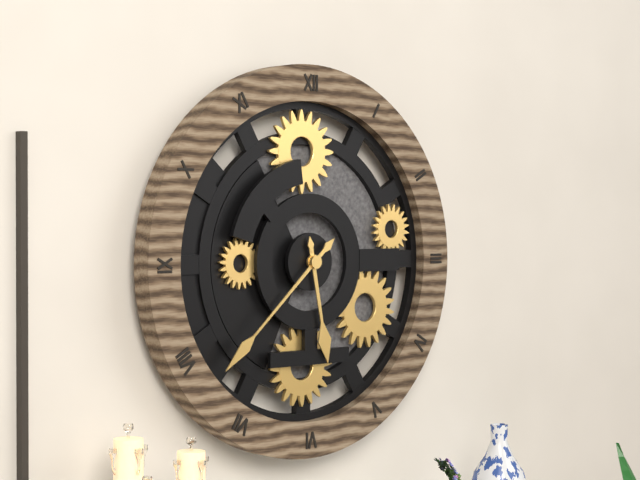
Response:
h=5 m=38
